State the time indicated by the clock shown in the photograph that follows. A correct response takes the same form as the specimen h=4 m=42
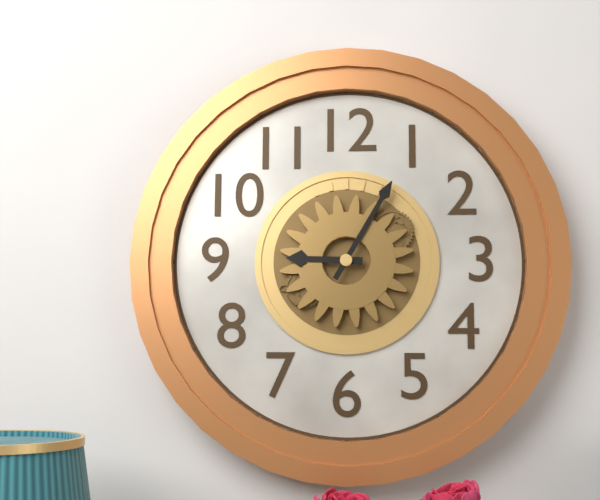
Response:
h=9 m=5
